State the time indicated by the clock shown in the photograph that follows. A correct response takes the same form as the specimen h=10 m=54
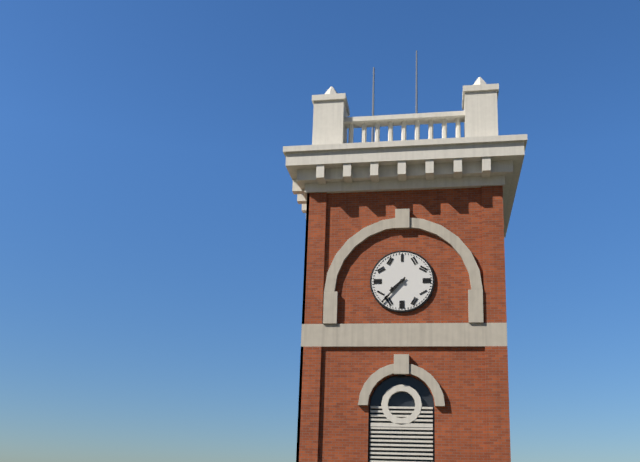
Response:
h=7 m=37
